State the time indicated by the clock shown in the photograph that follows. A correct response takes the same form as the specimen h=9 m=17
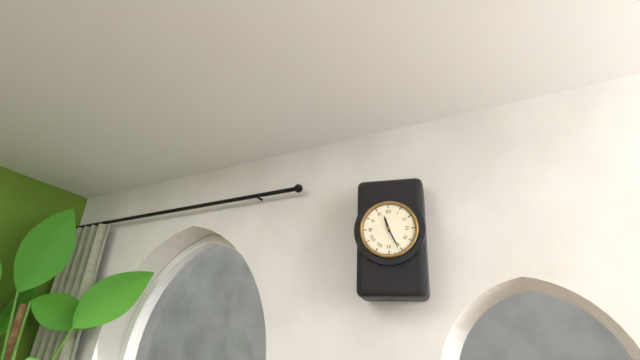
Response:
h=11 m=26
